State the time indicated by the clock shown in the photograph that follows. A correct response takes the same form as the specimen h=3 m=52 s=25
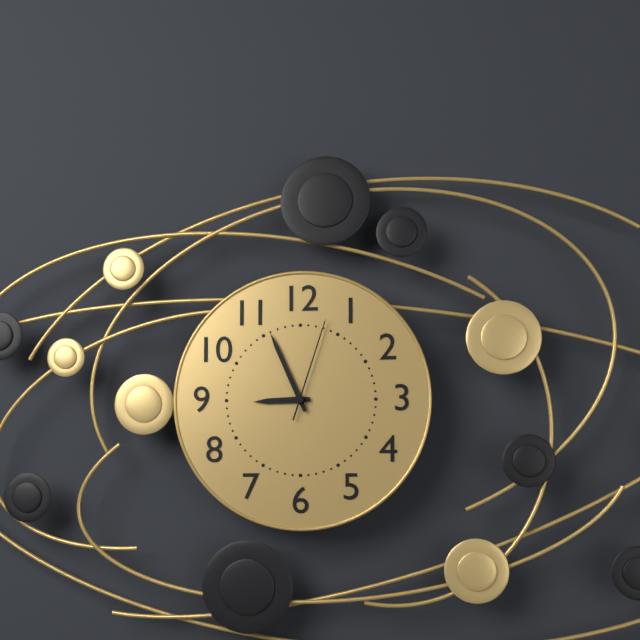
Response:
h=8 m=56 s=3
